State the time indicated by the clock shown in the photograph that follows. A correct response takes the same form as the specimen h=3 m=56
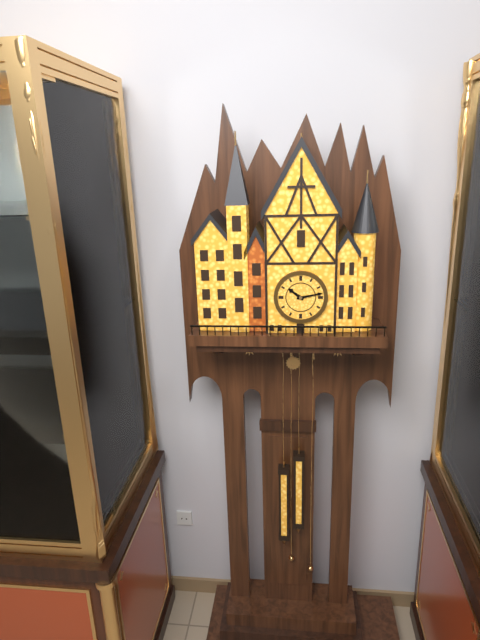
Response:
h=10 m=13
